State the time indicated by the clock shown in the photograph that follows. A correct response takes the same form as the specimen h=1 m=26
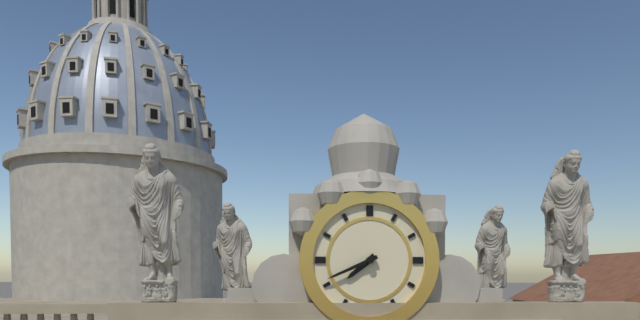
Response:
h=7 m=41
